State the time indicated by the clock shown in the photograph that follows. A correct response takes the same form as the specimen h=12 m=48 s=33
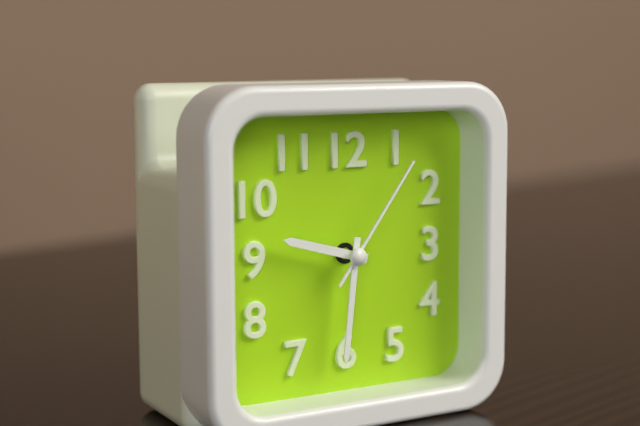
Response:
h=9 m=31 s=6
